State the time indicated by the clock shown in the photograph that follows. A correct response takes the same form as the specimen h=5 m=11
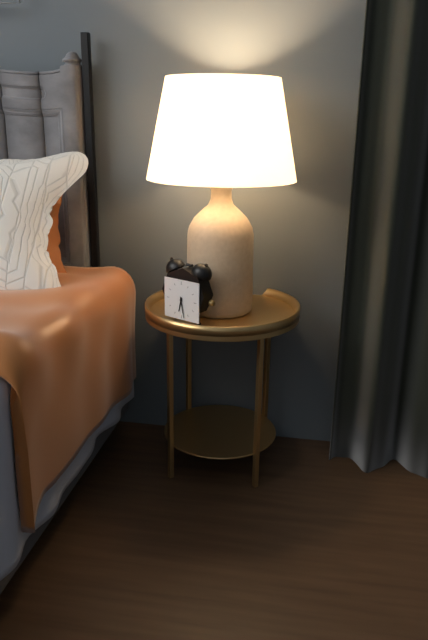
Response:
h=6 m=28
